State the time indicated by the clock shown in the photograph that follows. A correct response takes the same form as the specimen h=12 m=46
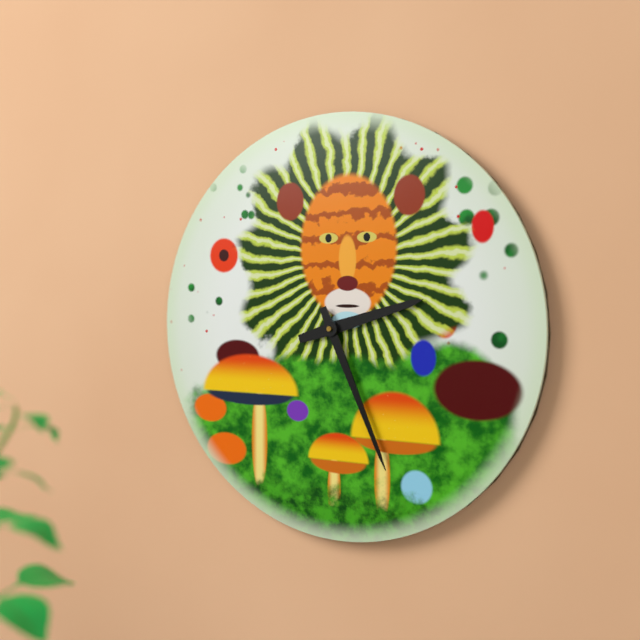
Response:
h=2 m=26
